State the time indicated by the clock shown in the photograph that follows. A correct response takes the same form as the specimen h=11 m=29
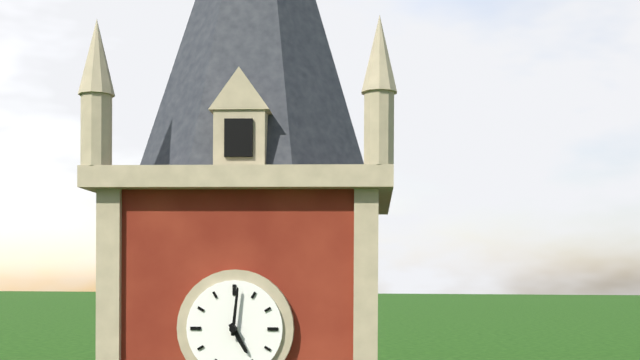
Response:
h=5 m=1
